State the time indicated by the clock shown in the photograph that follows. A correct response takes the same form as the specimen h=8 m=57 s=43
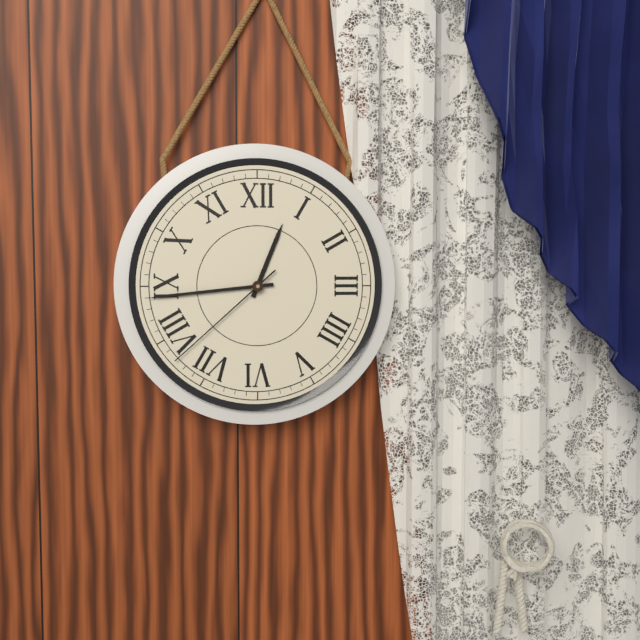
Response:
h=12 m=44 s=38
